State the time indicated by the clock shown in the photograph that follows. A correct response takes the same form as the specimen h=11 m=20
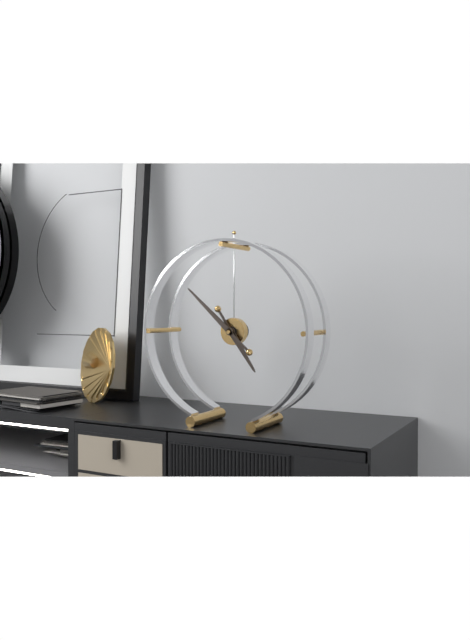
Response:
h=4 m=52
